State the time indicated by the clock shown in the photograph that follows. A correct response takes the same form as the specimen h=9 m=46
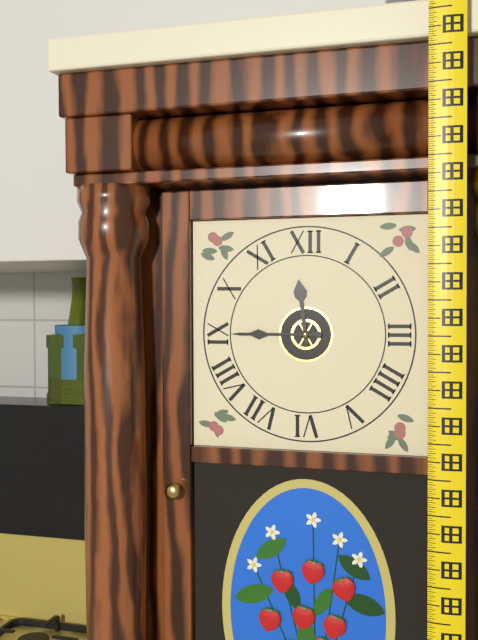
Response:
h=11 m=45
